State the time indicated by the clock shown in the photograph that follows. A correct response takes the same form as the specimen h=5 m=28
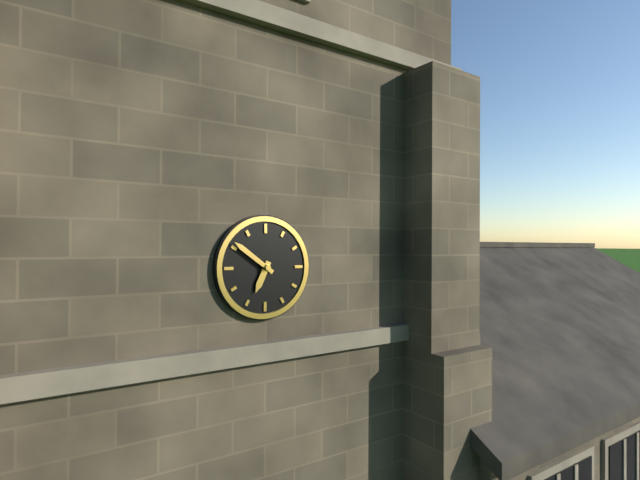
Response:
h=6 m=51
